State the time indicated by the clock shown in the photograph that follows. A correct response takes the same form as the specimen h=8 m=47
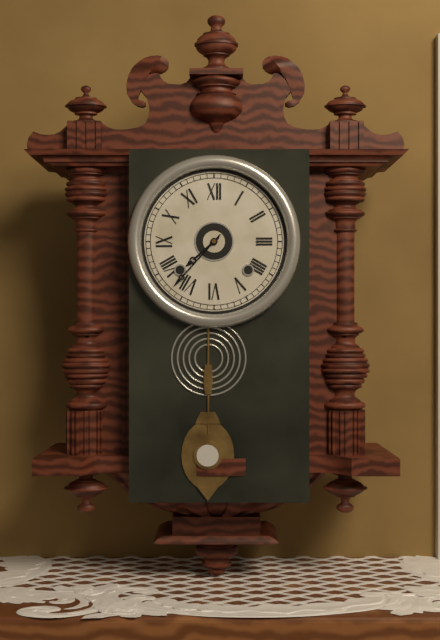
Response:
h=7 m=37
